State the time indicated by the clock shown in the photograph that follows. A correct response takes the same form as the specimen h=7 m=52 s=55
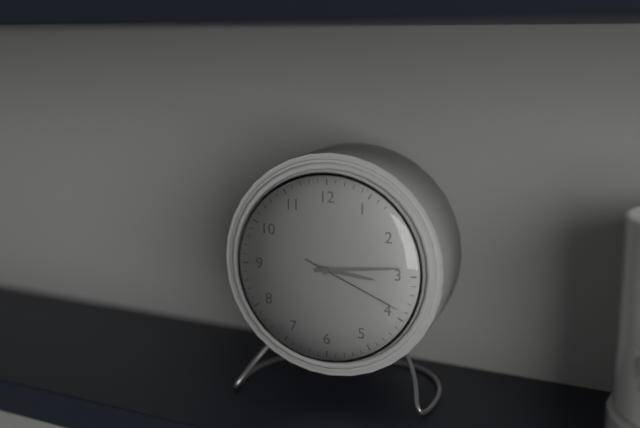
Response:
h=3 m=14 s=19
